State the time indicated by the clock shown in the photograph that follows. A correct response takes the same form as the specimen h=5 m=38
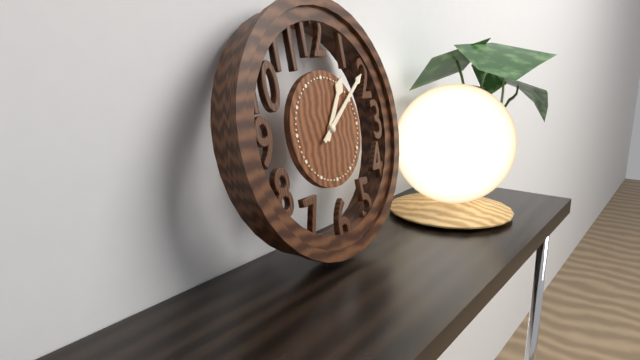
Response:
h=1 m=9
